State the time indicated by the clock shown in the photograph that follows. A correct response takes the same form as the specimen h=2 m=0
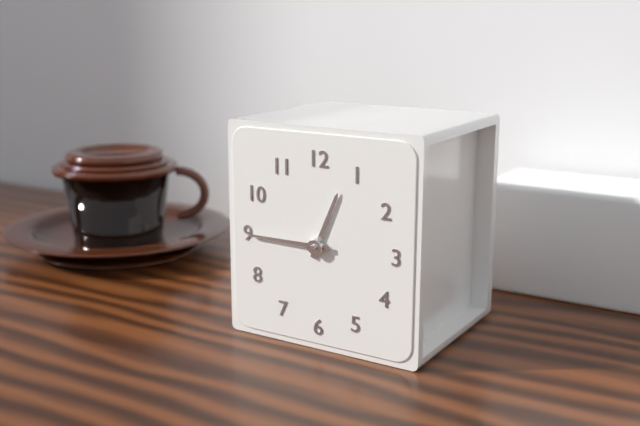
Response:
h=12 m=45
